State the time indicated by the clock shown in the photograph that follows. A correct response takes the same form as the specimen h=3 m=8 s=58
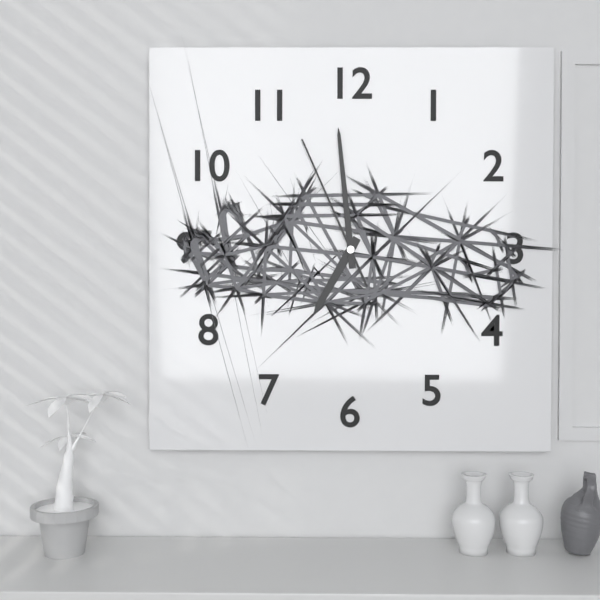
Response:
h=6 m=59 s=56
